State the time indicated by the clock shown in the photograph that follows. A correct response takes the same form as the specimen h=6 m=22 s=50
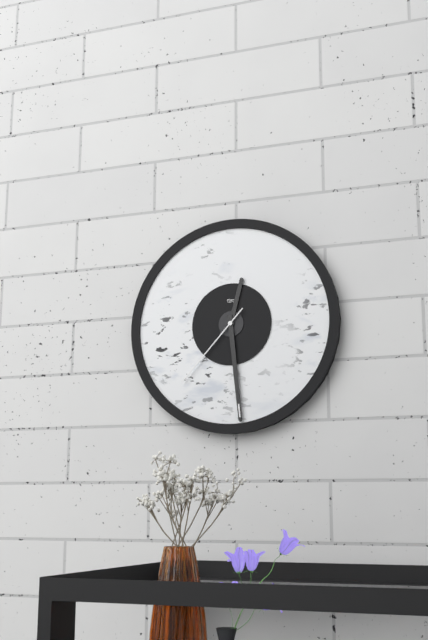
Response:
h=12 m=29 s=37
